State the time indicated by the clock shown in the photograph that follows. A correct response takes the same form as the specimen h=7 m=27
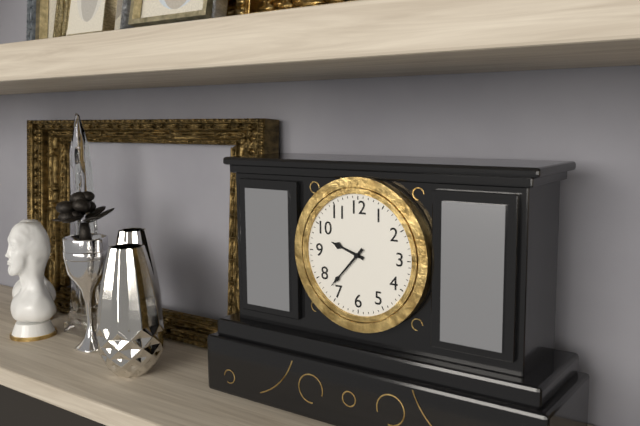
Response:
h=9 m=37
